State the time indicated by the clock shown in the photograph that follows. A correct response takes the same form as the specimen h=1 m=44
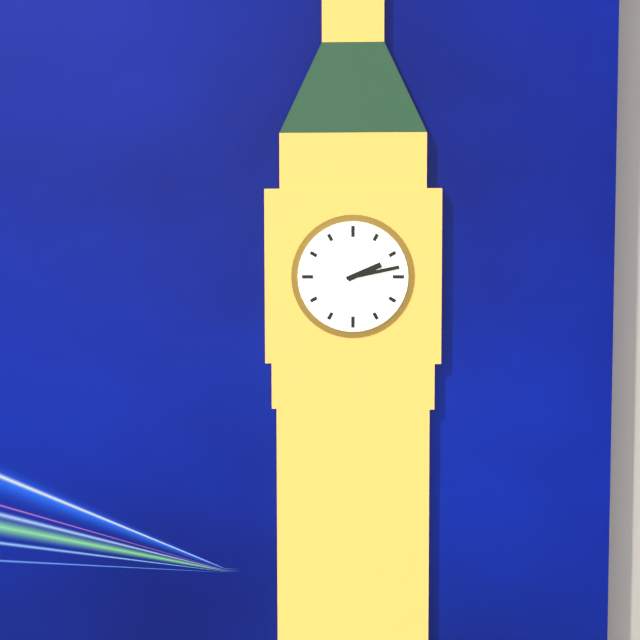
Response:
h=2 m=13
